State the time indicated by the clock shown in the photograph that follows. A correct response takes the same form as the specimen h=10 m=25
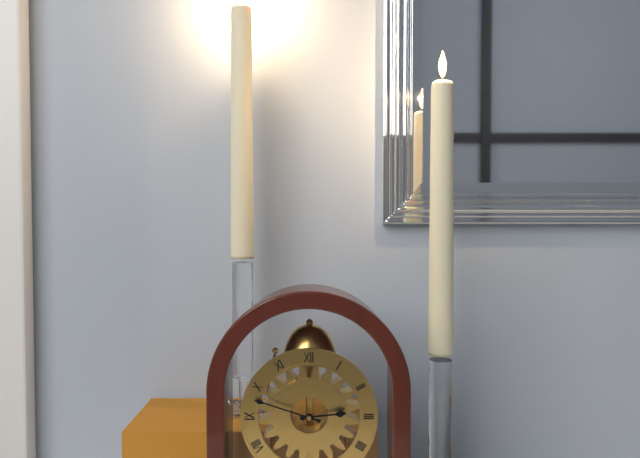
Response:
h=2 m=48
